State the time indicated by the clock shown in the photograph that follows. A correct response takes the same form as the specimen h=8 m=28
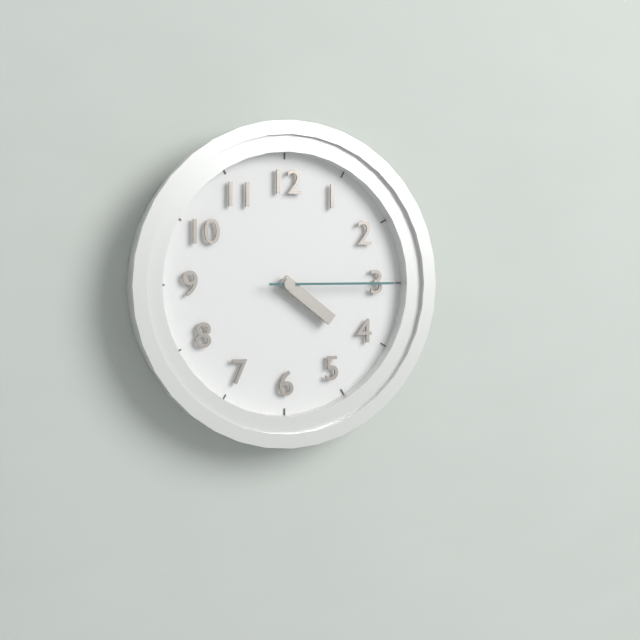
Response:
h=4 m=15
